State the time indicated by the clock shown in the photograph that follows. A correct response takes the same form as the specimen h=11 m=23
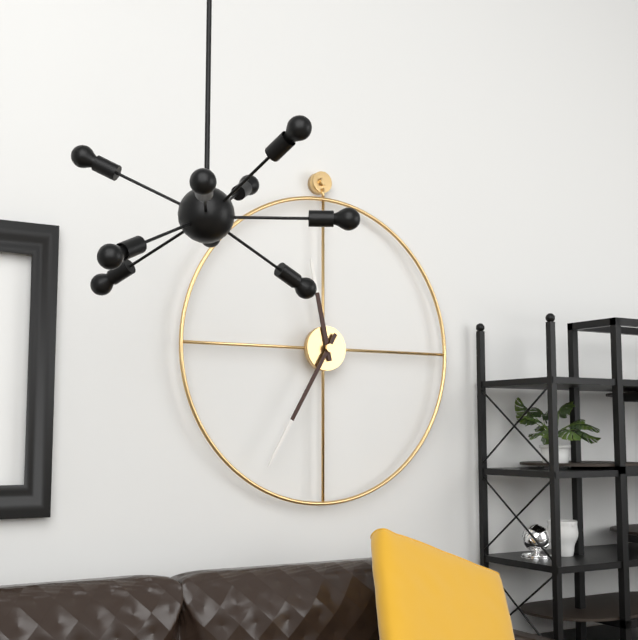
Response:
h=11 m=35
